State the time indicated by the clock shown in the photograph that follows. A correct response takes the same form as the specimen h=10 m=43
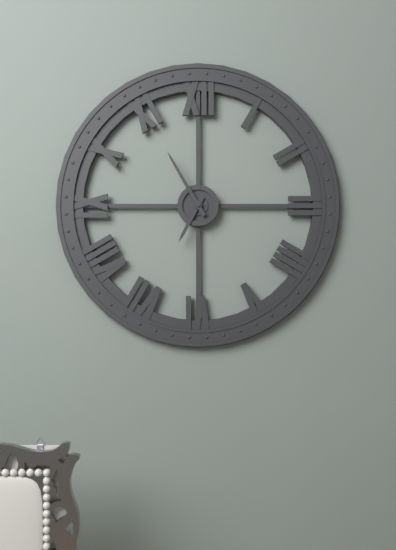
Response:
h=6 m=55
